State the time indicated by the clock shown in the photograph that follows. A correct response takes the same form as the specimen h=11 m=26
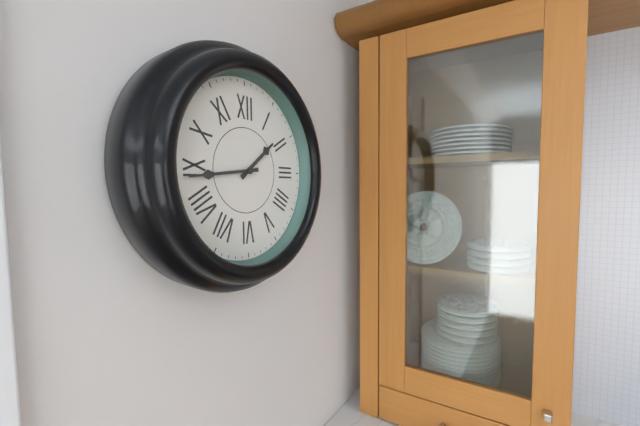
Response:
h=1 m=44
